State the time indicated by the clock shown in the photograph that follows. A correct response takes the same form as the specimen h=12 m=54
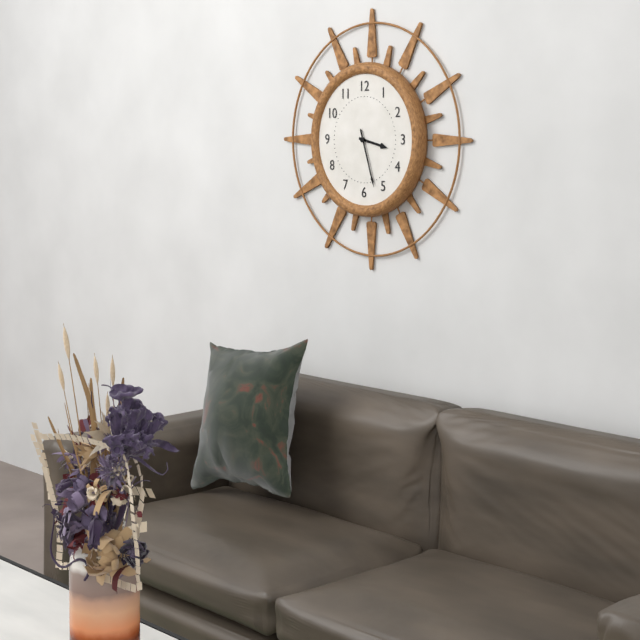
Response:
h=3 m=27
